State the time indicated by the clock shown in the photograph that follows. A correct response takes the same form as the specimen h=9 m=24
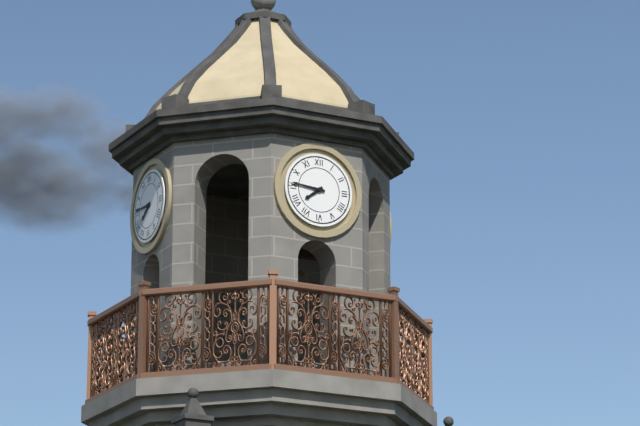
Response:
h=7 m=46
